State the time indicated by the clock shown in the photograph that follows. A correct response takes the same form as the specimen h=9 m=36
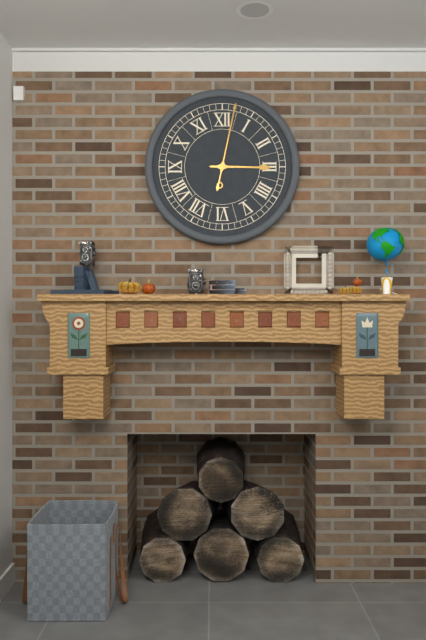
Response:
h=3 m=2
